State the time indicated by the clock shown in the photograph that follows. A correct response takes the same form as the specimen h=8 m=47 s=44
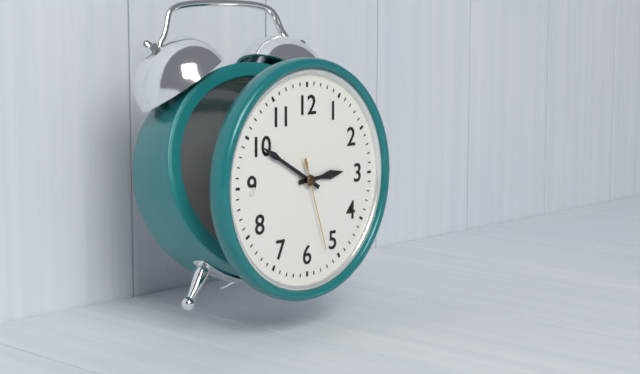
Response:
h=2 m=50 s=27
